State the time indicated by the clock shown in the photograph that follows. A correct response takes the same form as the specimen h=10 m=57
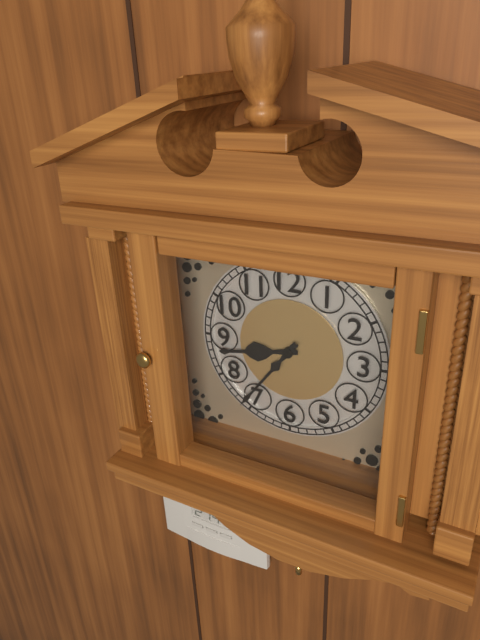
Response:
h=8 m=36
